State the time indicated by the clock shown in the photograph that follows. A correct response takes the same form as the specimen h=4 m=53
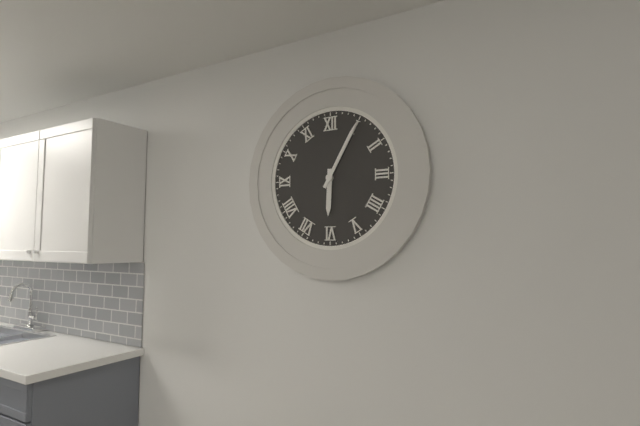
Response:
h=6 m=5
